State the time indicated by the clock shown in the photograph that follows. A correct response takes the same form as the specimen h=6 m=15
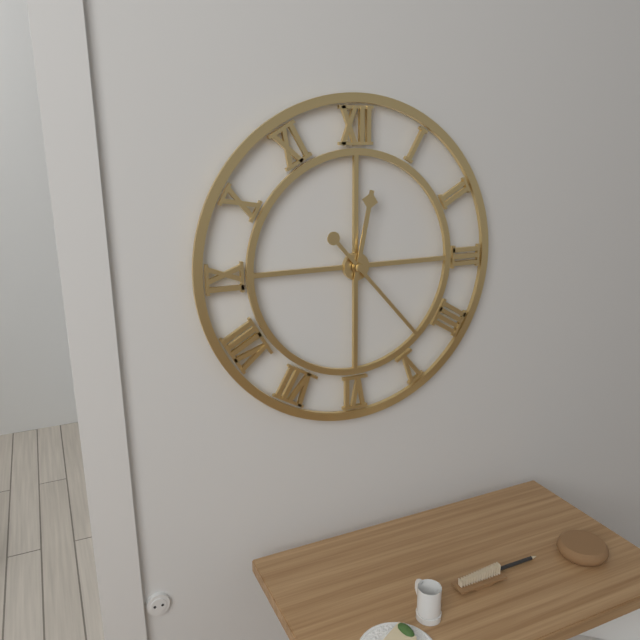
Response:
h=12 m=23
